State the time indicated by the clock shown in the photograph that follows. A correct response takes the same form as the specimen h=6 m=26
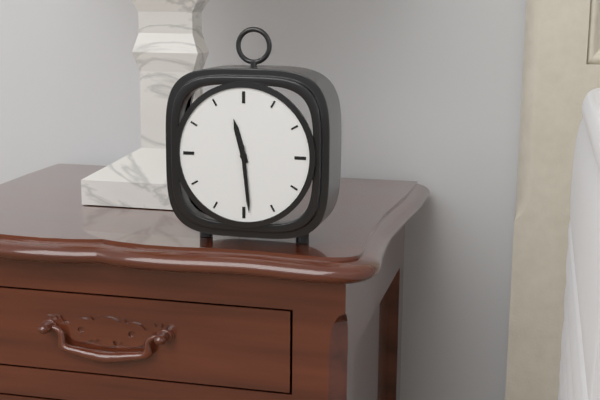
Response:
h=11 m=29
